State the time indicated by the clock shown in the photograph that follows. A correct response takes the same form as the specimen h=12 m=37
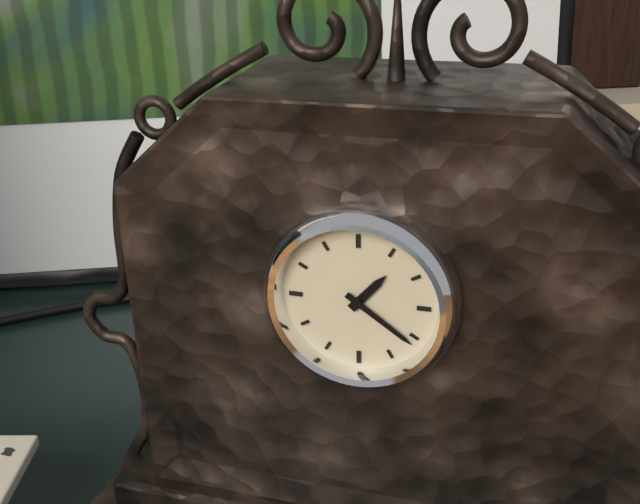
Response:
h=1 m=21
